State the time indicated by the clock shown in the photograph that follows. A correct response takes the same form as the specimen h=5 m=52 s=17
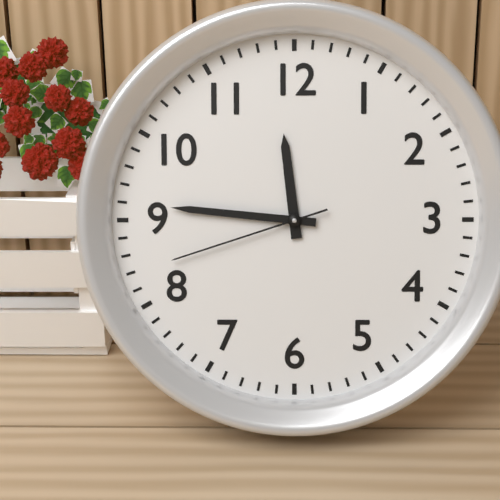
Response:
h=11 m=46 s=42
